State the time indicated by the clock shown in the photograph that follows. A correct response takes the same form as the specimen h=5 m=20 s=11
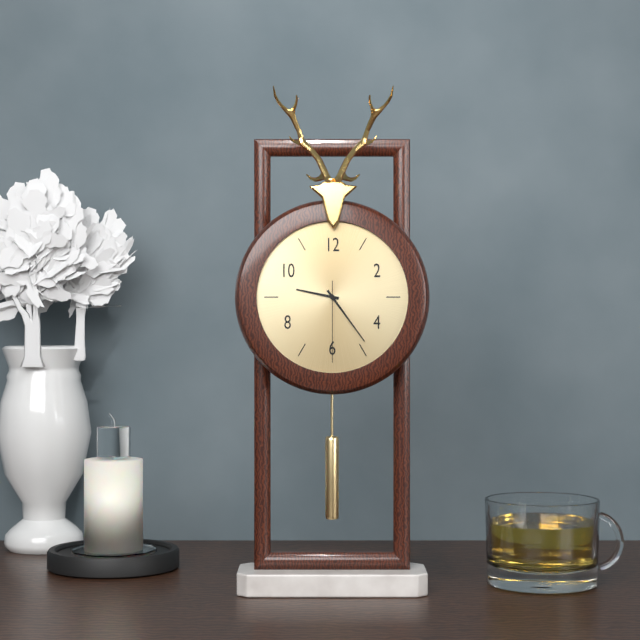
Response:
h=9 m=24 s=30
